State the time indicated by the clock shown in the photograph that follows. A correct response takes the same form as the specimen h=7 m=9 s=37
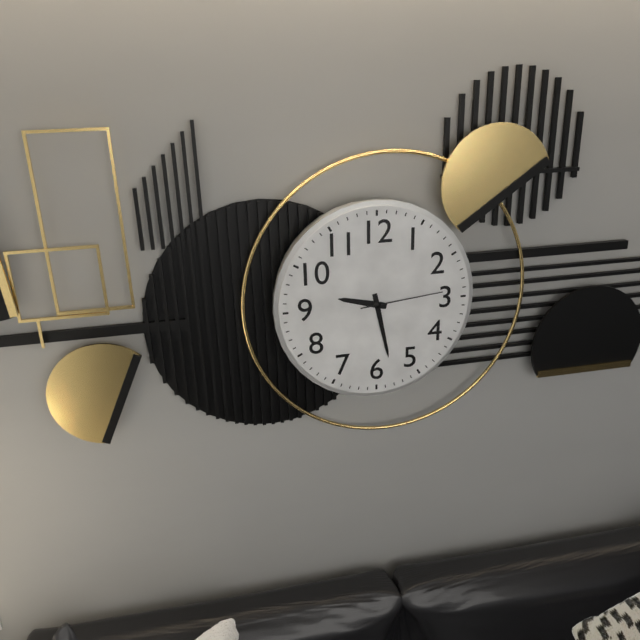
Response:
h=9 m=28 s=14
